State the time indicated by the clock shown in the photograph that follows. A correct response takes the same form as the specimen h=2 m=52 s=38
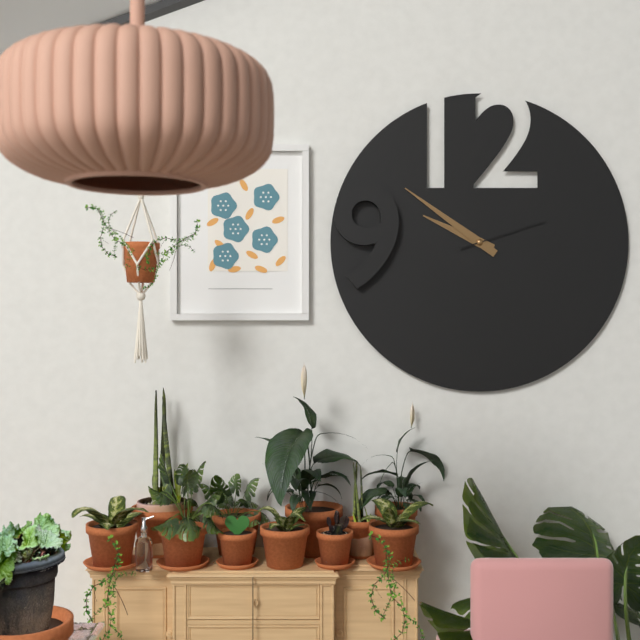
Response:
h=9 m=51 s=12
